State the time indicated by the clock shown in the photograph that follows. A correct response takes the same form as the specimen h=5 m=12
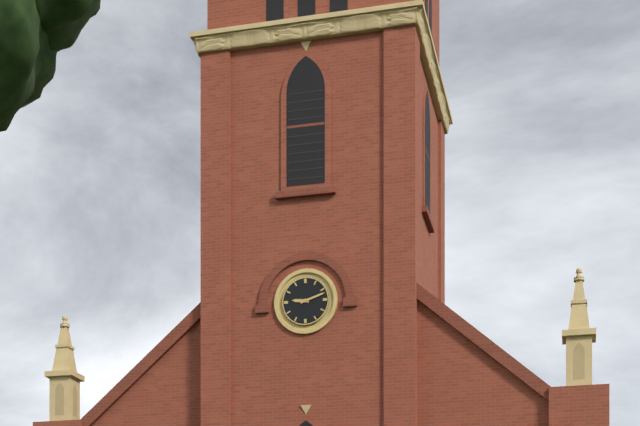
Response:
h=9 m=12
